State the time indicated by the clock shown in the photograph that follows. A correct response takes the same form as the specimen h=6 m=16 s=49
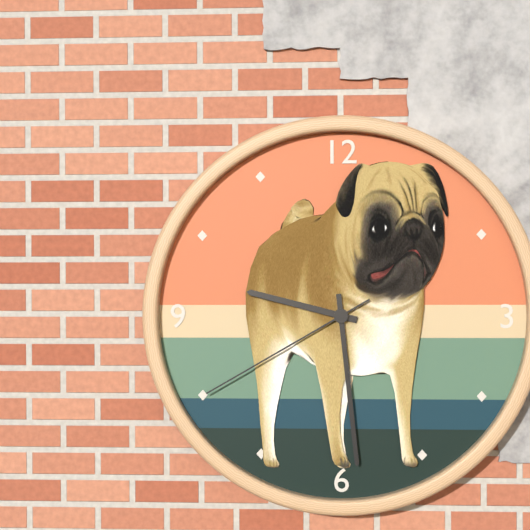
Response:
h=9 m=29 s=40
